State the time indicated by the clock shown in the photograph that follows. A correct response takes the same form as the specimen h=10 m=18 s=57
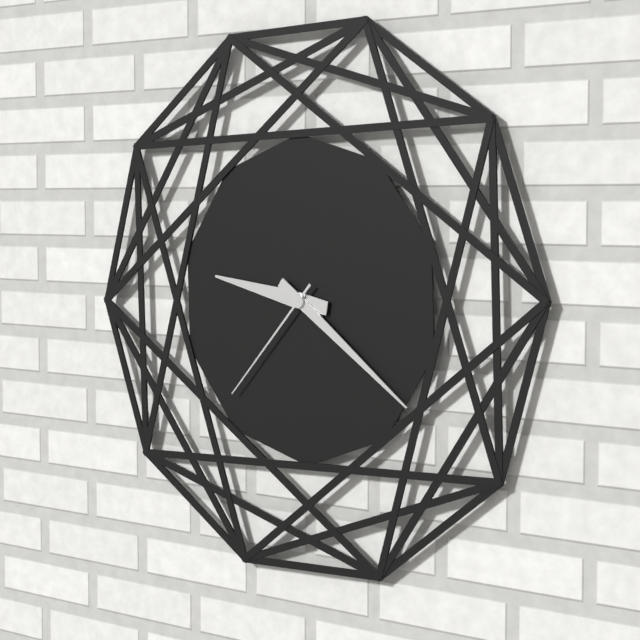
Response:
h=9 m=21 s=37
